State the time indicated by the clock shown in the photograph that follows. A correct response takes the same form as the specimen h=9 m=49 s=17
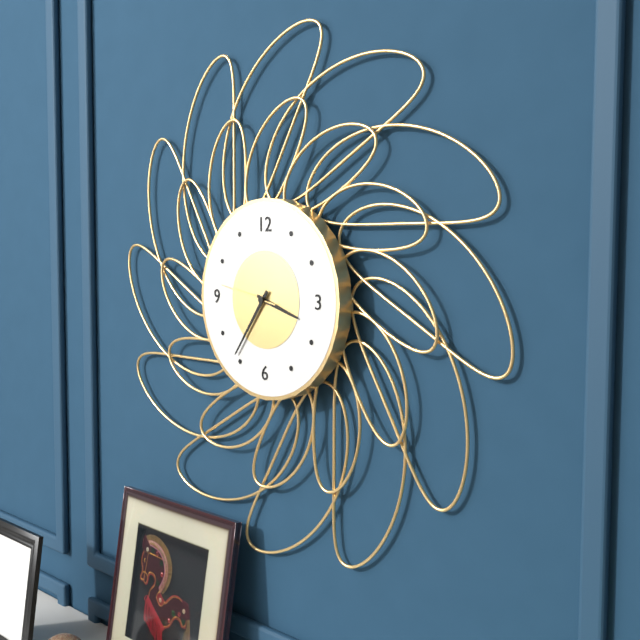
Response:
h=3 m=36 s=47
